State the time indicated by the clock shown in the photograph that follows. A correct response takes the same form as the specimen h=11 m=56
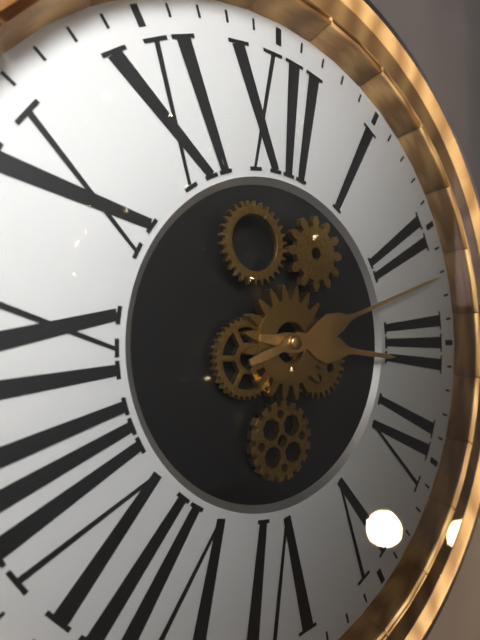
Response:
h=3 m=12
